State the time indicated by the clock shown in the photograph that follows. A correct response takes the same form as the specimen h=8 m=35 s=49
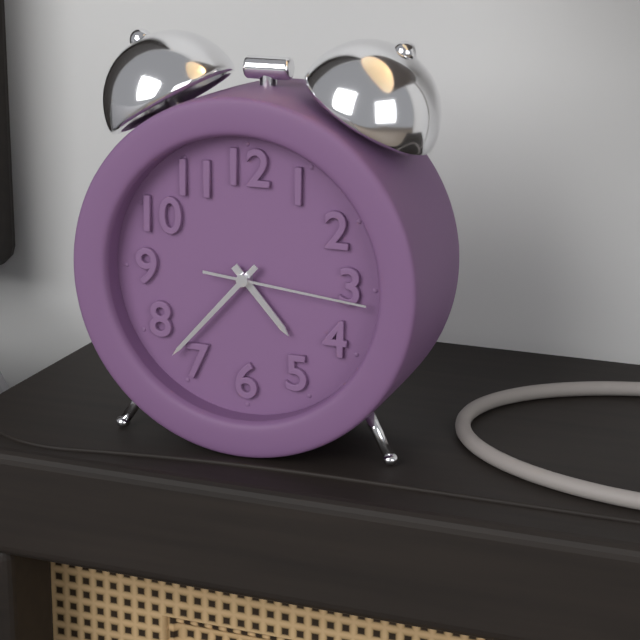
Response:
h=4 m=37 s=16
